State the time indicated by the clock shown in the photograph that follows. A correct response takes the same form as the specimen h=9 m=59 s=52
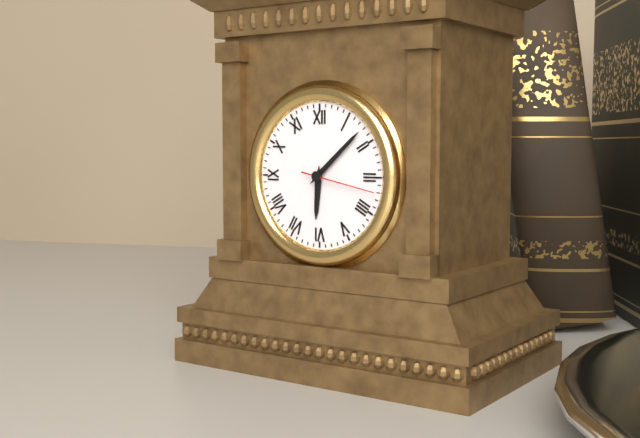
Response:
h=6 m=8 s=17
